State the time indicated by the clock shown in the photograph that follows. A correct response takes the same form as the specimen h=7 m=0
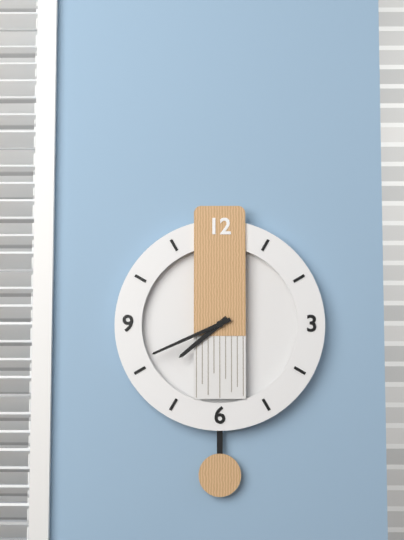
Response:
h=7 m=41
